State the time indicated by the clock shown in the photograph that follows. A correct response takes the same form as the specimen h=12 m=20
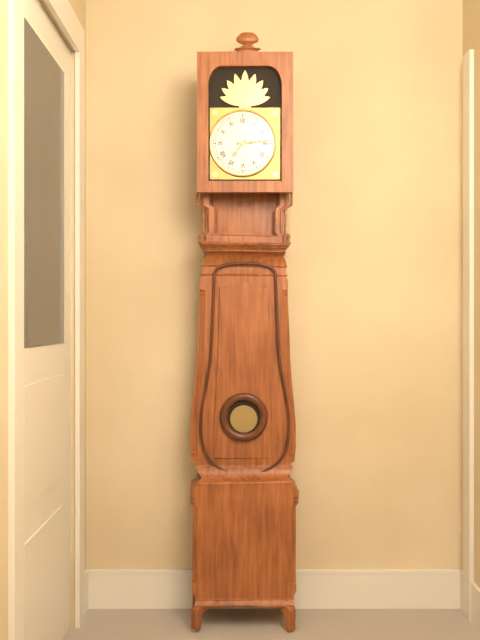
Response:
h=7 m=14
